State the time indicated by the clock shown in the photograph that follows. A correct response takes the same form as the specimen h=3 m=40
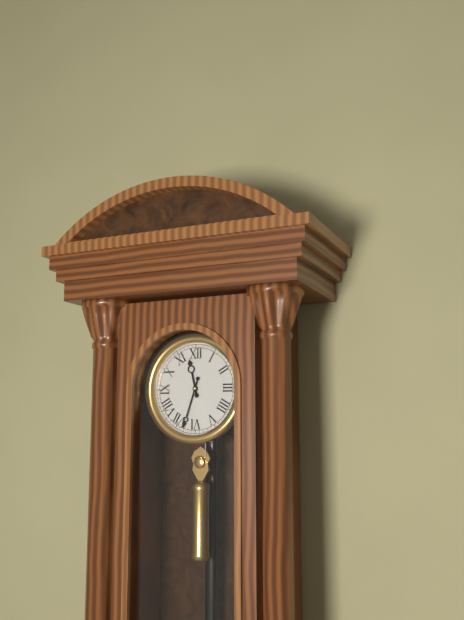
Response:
h=11 m=33
